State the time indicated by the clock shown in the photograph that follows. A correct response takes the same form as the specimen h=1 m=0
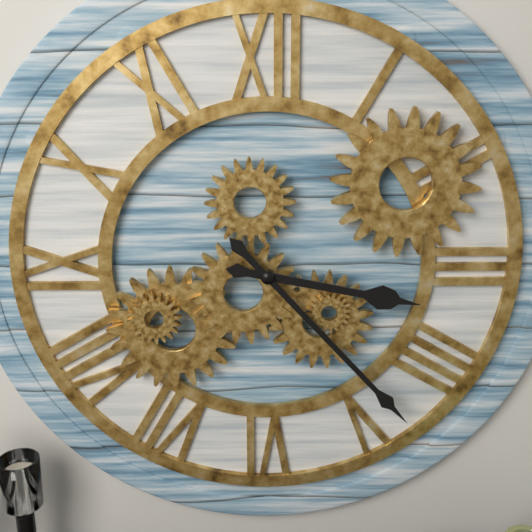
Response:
h=3 m=23
